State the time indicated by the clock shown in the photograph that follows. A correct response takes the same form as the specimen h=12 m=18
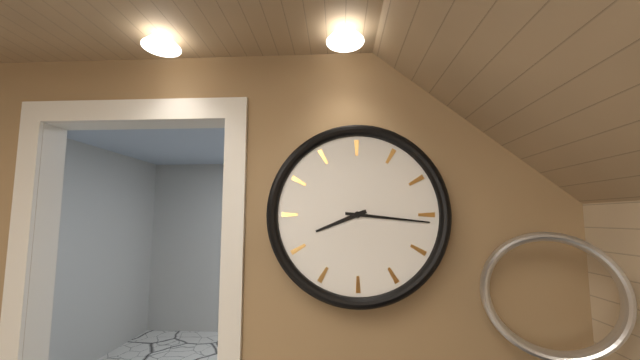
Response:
h=8 m=16
